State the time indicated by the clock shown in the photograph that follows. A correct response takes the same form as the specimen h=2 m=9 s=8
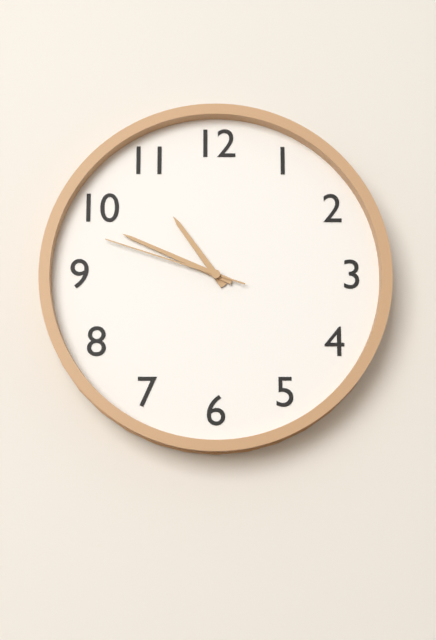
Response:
h=10 m=49 s=48
